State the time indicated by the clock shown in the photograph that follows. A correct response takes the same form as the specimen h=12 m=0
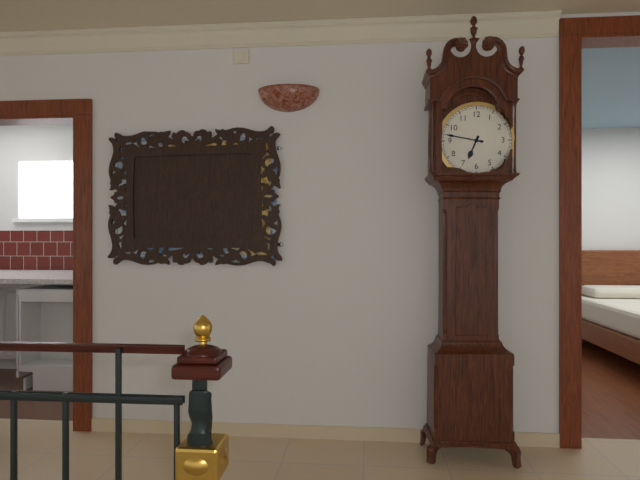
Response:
h=6 m=47
